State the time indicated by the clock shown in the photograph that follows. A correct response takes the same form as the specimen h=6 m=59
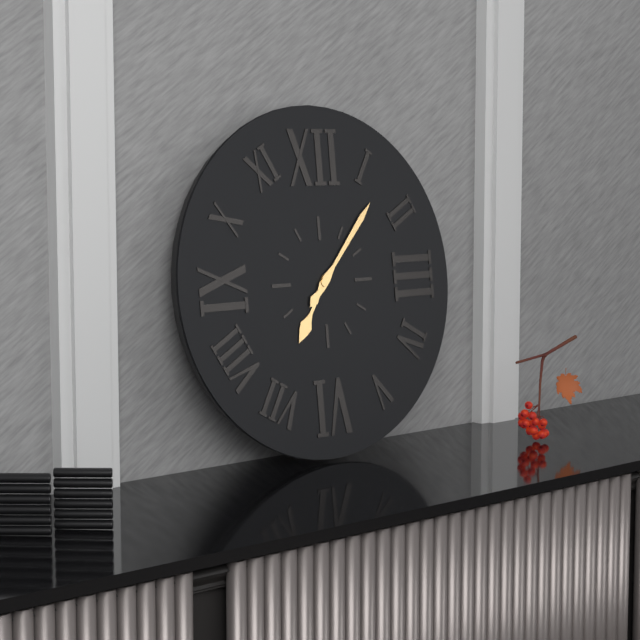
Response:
h=7 m=7
